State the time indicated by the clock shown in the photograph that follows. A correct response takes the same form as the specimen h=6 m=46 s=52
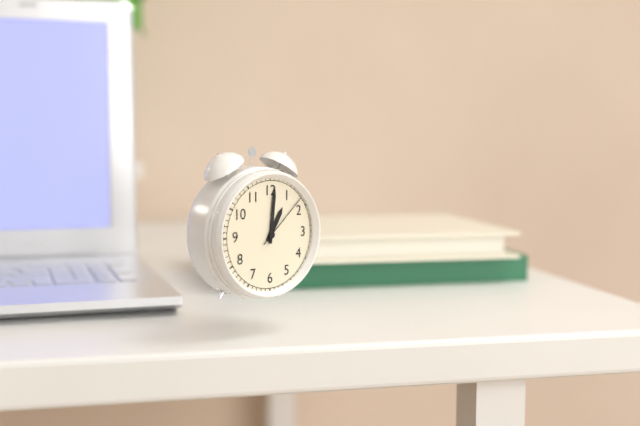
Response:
h=1 m=1 s=8
